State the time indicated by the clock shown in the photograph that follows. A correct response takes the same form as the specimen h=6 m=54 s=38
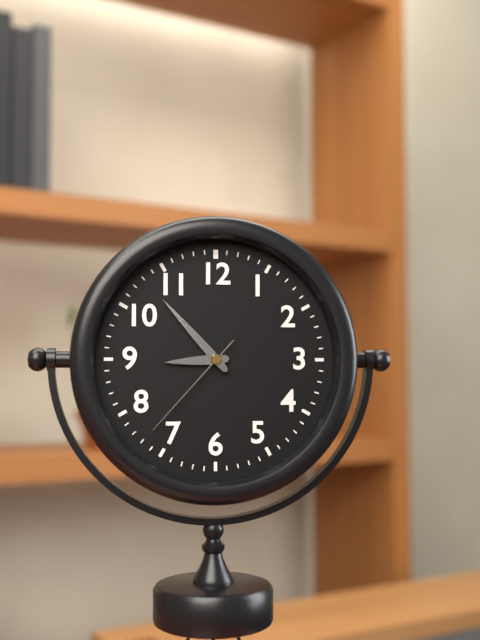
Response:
h=8 m=53 s=37
